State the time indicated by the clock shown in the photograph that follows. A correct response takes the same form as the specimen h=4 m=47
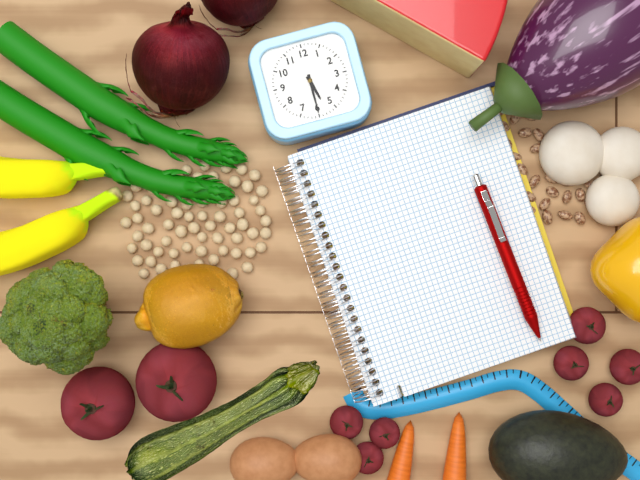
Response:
h=5 m=30
